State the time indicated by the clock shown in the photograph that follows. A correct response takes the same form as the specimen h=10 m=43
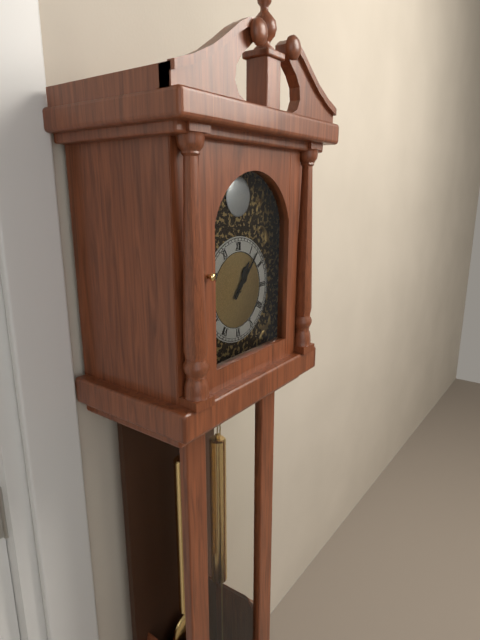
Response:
h=1 m=7
